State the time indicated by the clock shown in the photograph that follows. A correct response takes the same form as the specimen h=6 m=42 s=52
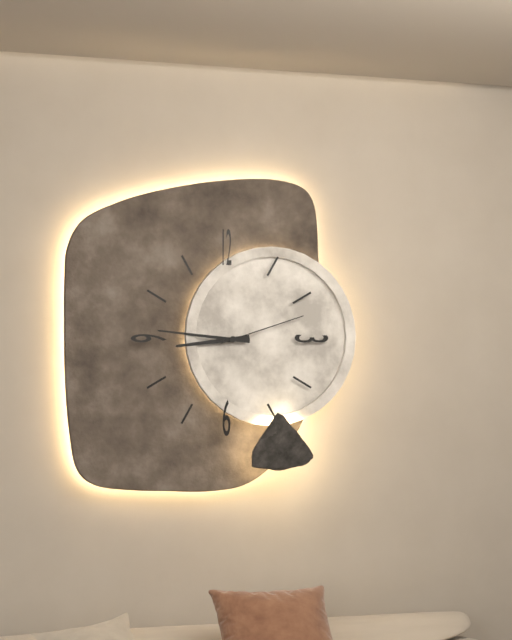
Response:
h=8 m=46 s=12
